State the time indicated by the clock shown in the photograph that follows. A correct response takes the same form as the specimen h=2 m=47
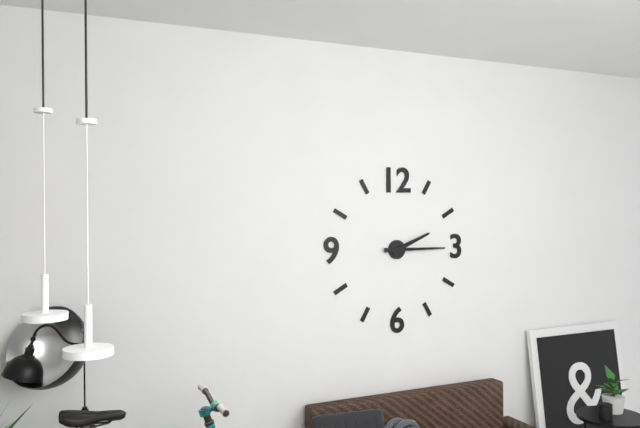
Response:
h=2 m=15
